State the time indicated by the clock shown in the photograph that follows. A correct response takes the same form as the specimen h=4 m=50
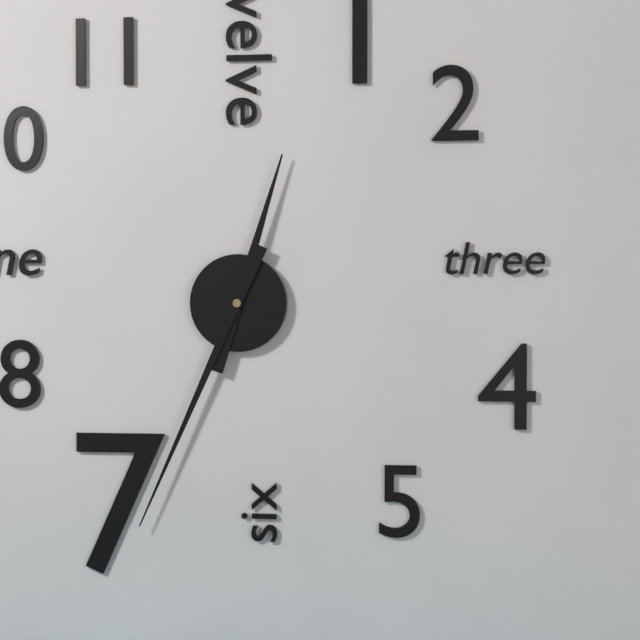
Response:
h=12 m=34
